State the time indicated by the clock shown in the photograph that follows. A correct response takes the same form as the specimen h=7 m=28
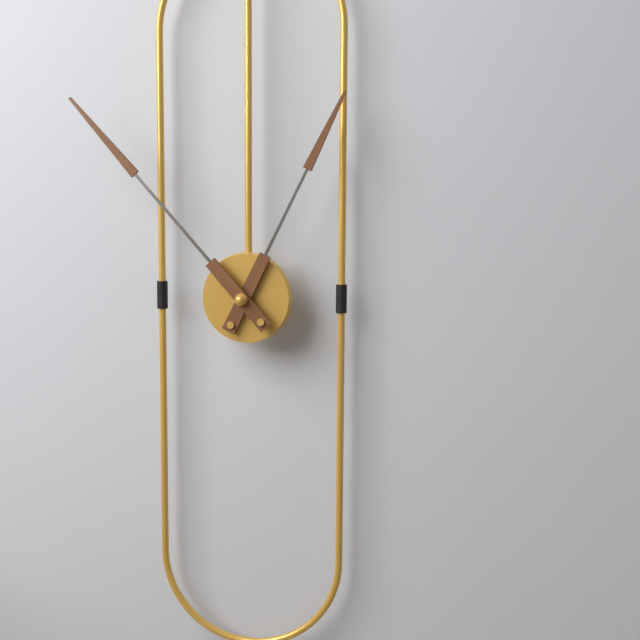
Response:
h=12 m=53
